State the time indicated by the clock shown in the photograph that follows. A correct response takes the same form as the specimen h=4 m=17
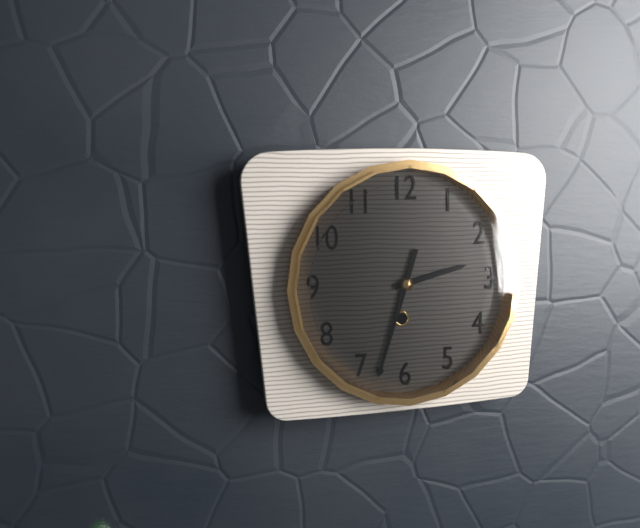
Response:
h=2 m=33
